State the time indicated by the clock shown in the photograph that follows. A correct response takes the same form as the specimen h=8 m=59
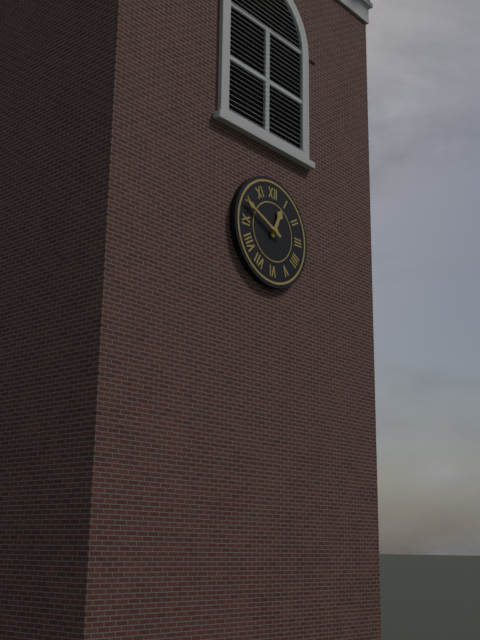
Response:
h=12 m=49
